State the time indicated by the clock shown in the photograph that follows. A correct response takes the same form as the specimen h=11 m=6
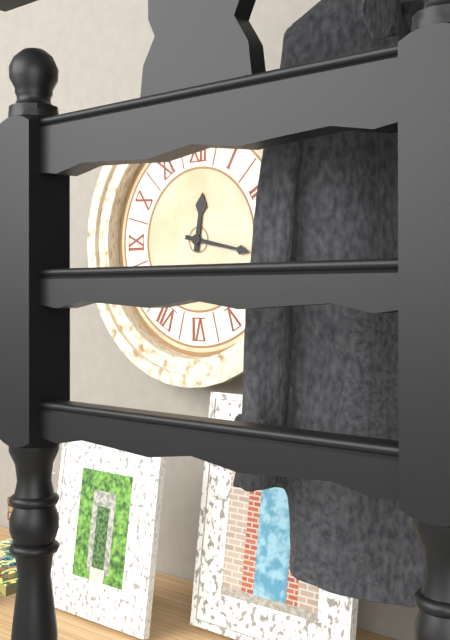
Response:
h=12 m=17
